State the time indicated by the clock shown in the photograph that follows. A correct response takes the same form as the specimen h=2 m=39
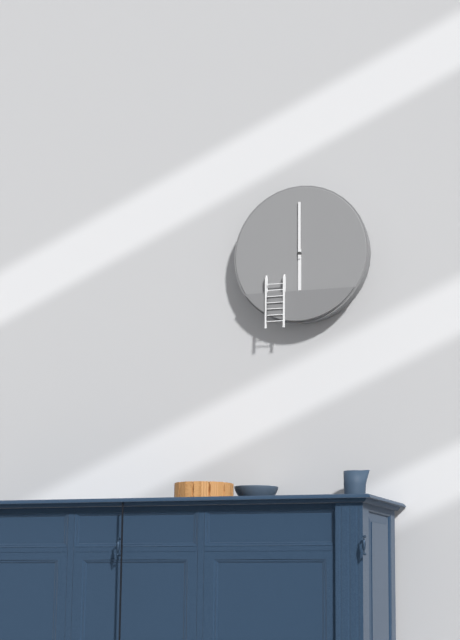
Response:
h=6 m=0
